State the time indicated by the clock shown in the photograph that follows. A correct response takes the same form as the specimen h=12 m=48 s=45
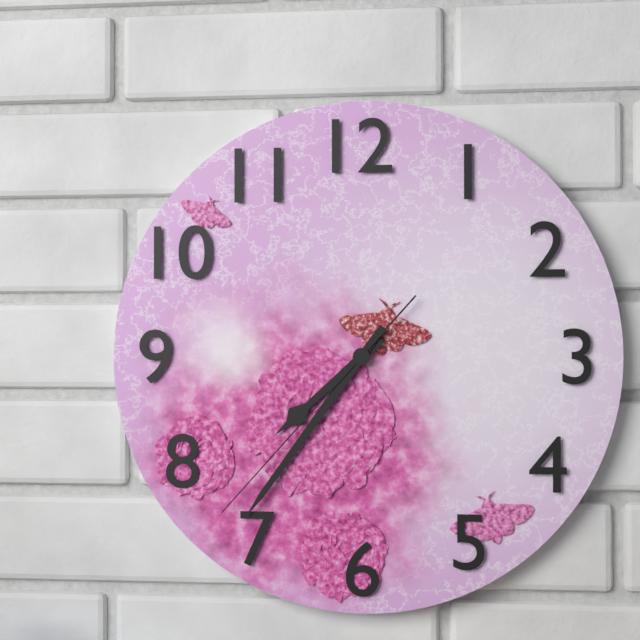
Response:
h=7 m=36 s=37
